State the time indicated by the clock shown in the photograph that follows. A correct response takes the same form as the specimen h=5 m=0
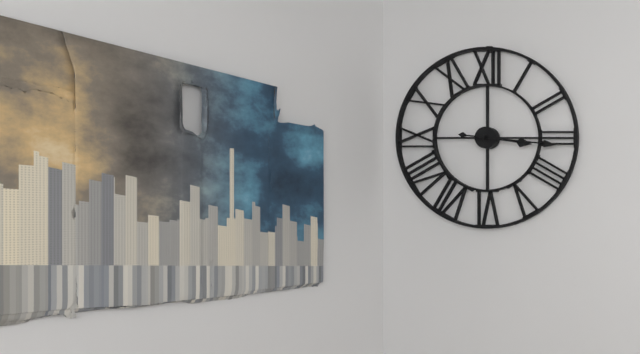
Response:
h=3 m=16
